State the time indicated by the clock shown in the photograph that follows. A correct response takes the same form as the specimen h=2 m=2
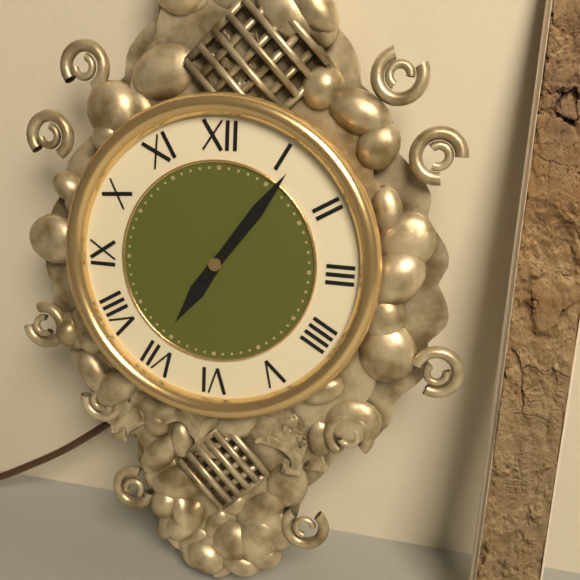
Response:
h=7 m=6
